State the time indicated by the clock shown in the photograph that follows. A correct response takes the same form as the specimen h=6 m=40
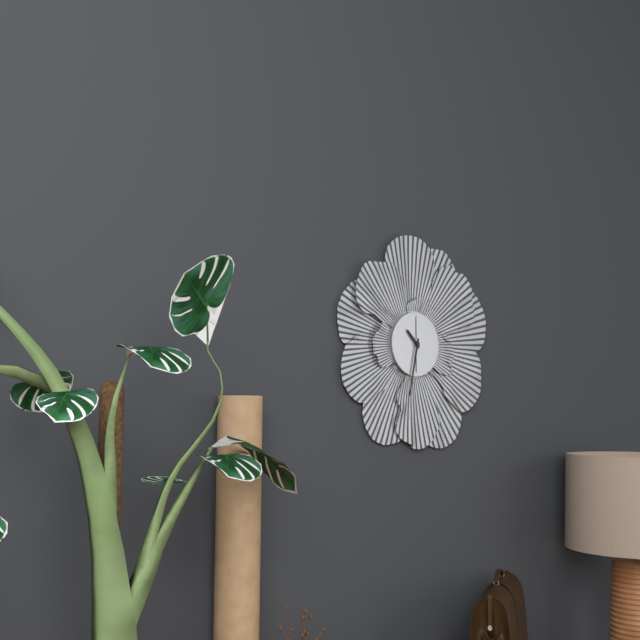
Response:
h=10 m=32
